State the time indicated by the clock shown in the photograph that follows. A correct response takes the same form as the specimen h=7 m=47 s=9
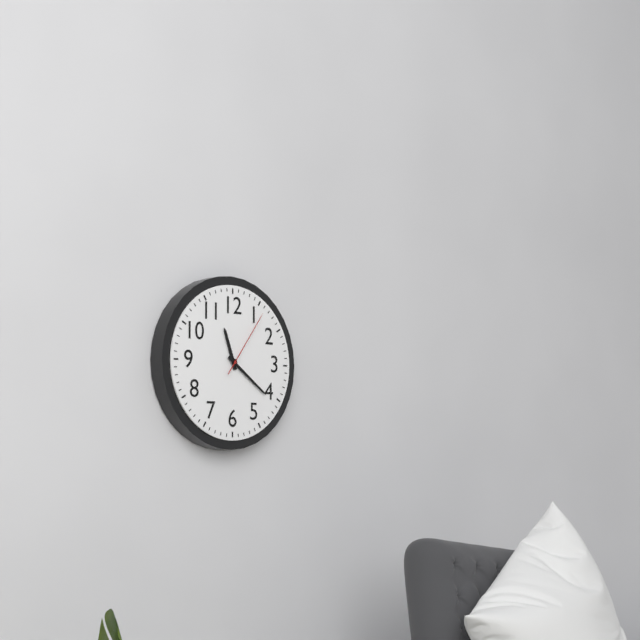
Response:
h=11 m=21 s=6
